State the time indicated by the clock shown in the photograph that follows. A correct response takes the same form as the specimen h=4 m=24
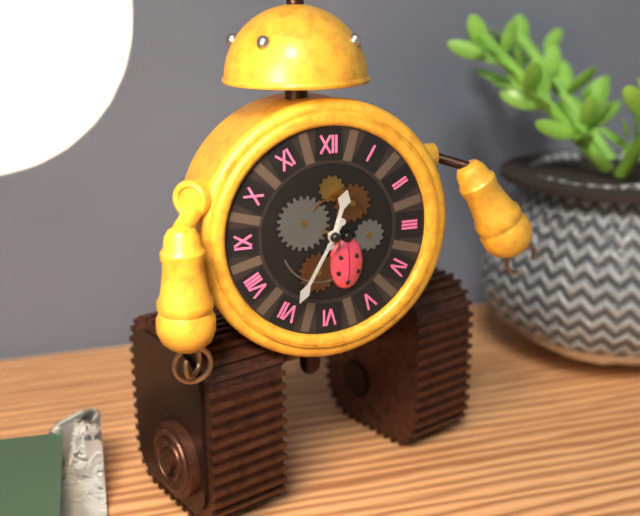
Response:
h=12 m=35
